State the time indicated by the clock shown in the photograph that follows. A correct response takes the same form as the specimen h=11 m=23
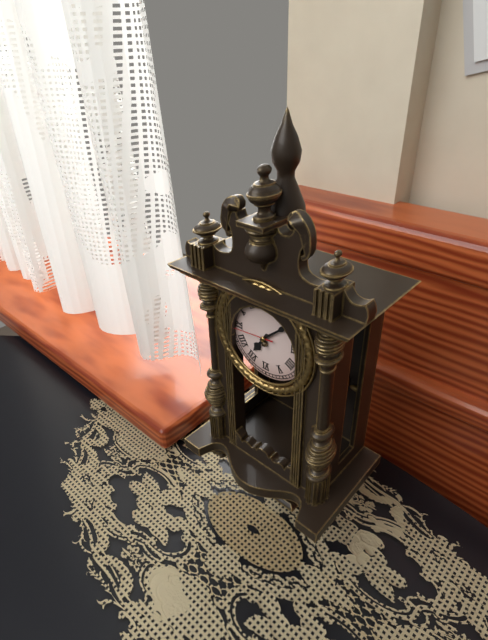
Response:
h=7 m=8
